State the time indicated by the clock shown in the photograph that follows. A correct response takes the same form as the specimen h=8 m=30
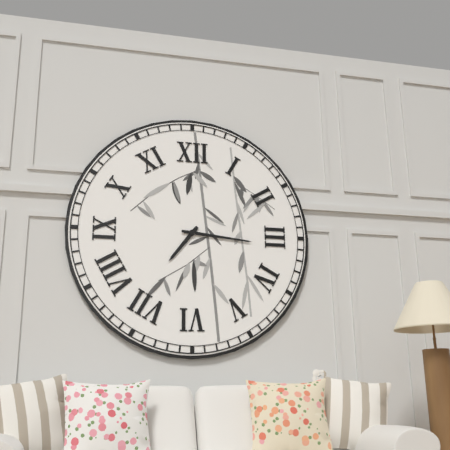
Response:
h=7 m=16
